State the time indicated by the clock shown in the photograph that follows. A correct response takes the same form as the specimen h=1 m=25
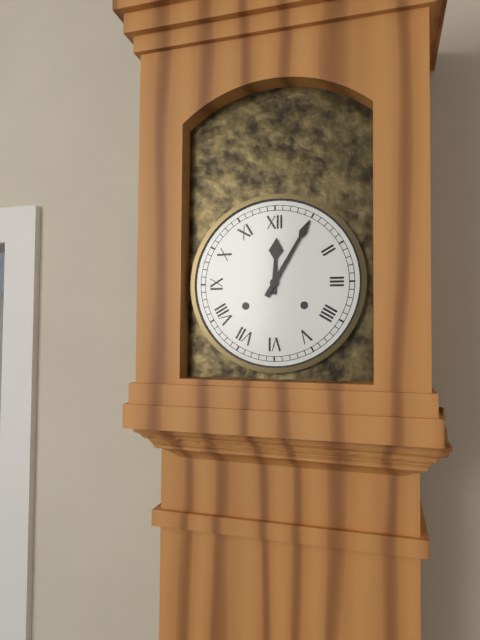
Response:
h=12 m=5
